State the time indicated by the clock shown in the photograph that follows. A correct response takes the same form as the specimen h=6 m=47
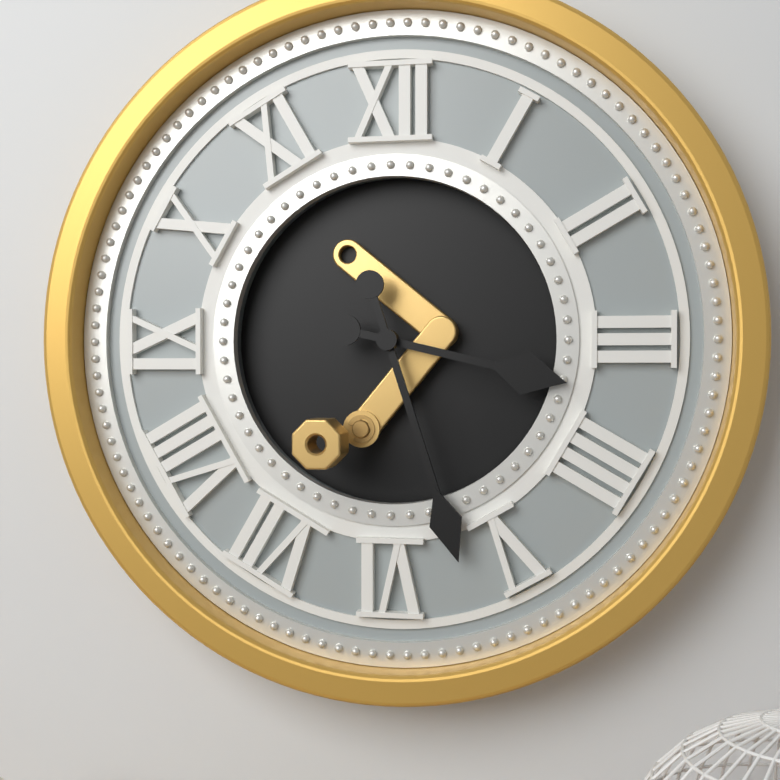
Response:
h=3 m=27
